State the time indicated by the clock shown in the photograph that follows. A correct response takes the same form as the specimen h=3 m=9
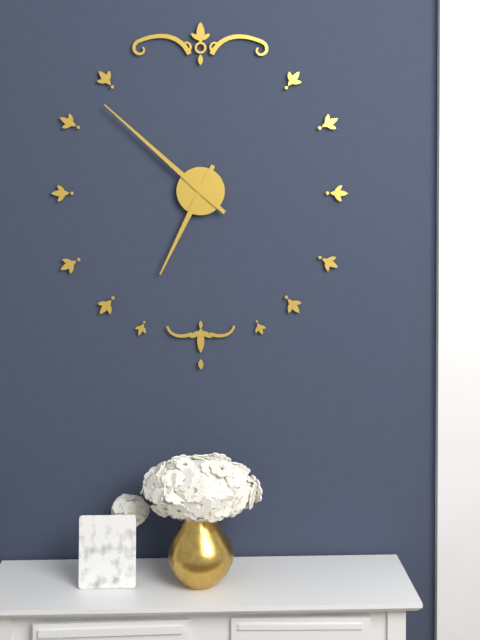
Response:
h=6 m=52
